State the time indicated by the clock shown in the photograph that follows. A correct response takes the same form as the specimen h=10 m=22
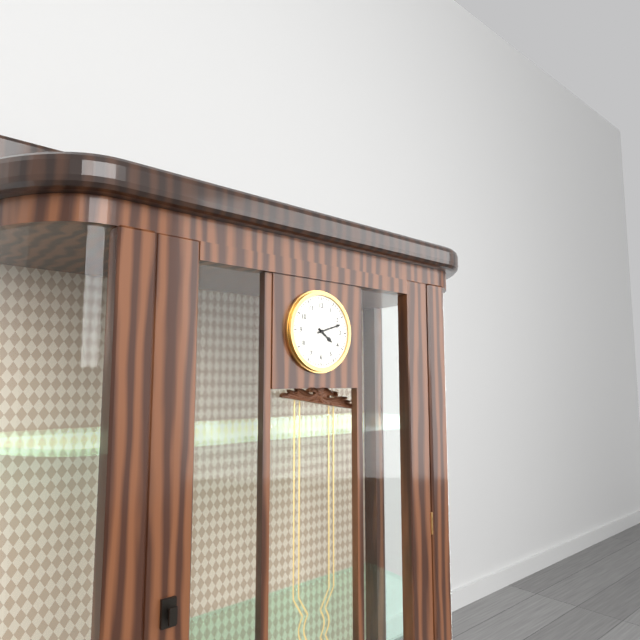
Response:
h=4 m=12
